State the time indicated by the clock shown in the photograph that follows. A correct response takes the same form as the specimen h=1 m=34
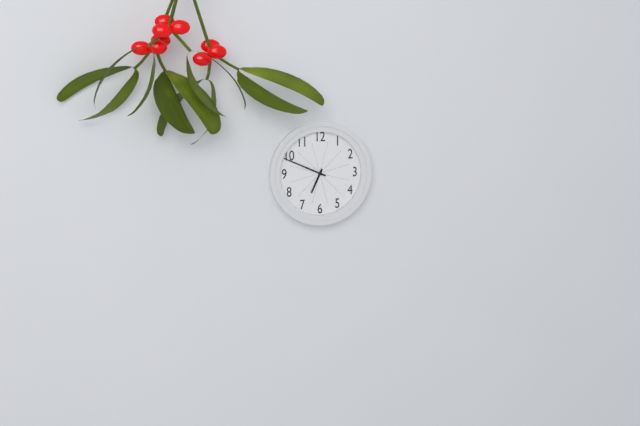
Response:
h=6 m=49
